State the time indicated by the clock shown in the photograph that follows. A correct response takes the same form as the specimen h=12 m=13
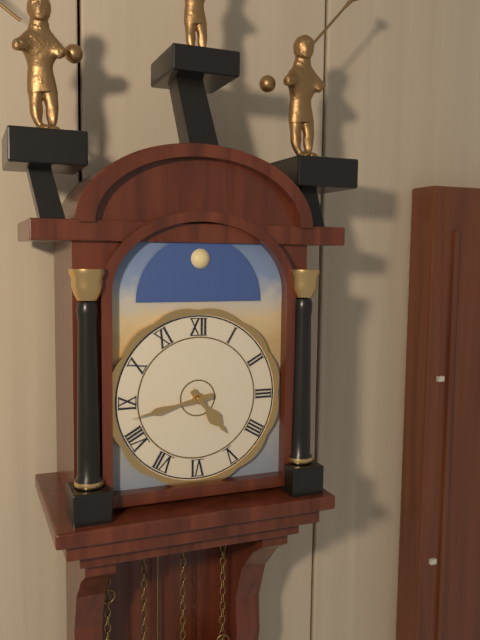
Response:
h=4 m=43
